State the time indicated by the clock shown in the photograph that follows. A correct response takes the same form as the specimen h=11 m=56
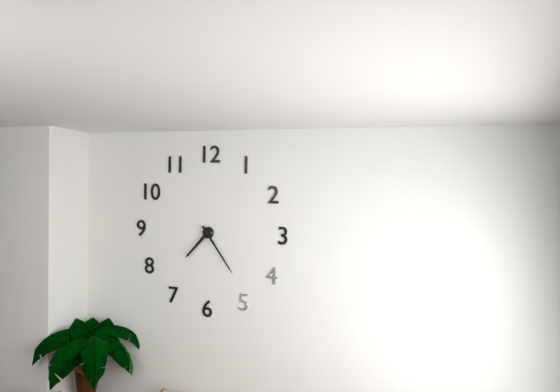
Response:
h=7 m=24
